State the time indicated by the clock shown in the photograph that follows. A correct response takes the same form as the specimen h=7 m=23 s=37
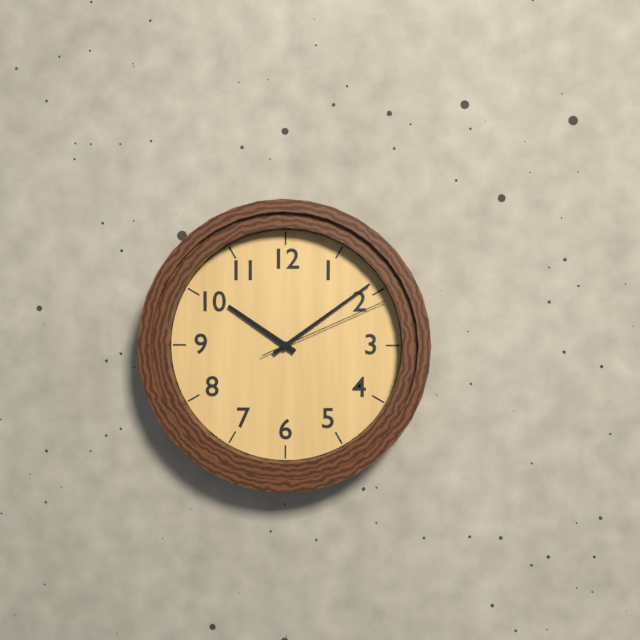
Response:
h=10 m=9 s=11
